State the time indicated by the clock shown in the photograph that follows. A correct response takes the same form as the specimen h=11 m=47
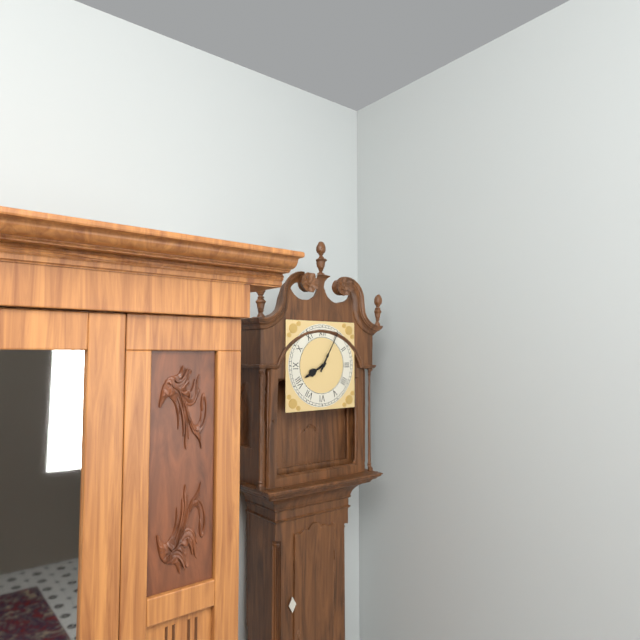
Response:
h=8 m=5
